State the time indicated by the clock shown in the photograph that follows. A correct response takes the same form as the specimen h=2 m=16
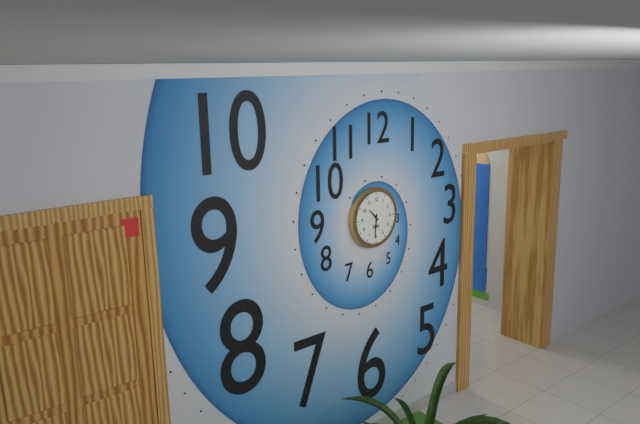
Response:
h=10 m=31
